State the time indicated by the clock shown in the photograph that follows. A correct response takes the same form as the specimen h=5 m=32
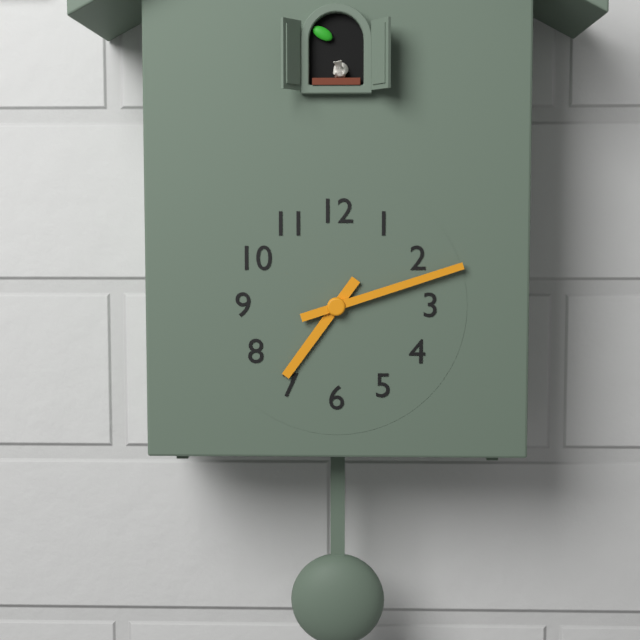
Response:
h=7 m=12
